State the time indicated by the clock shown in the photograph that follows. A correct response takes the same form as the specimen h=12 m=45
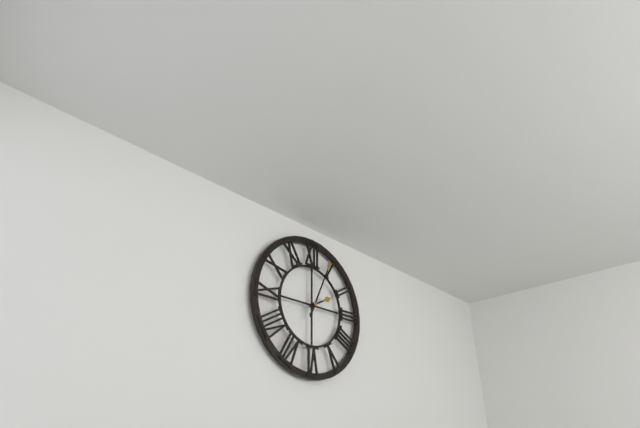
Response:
h=2 m=4
